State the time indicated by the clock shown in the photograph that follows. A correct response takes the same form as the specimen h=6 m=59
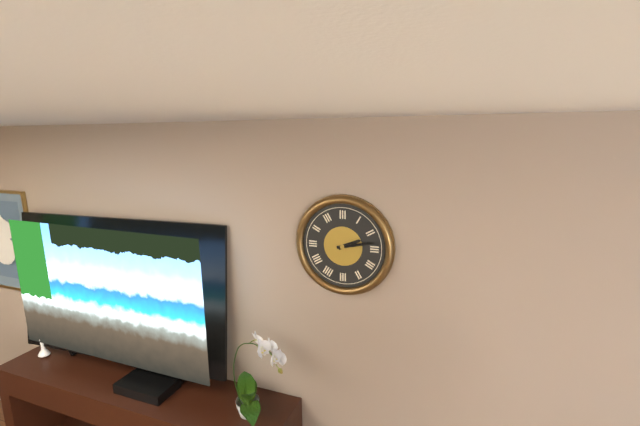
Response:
h=2 m=13
